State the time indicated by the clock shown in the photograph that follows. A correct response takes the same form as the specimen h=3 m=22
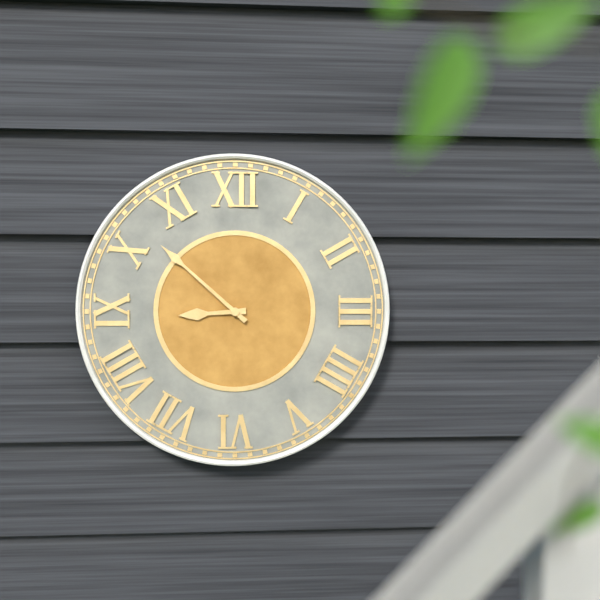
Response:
h=8 m=52
